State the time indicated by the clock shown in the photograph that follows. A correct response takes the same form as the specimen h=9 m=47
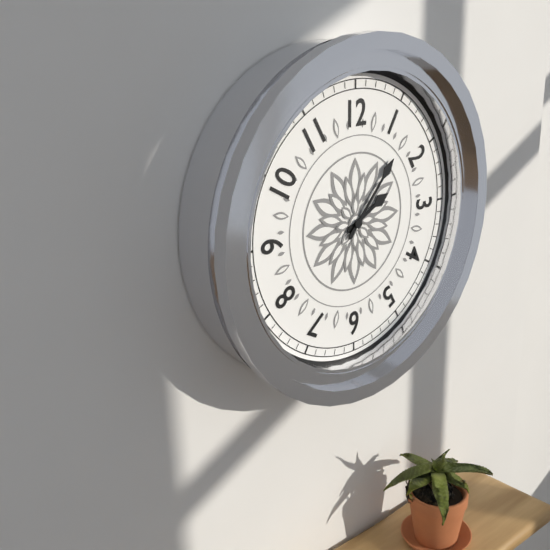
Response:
h=2 m=7
